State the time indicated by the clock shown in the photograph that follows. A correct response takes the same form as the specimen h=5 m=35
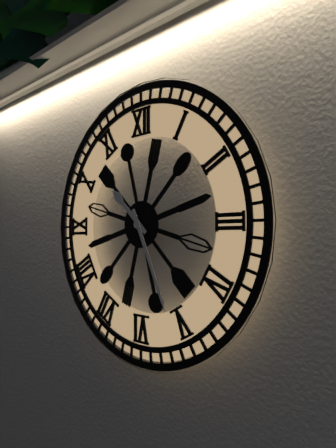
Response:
h=10 m=26
